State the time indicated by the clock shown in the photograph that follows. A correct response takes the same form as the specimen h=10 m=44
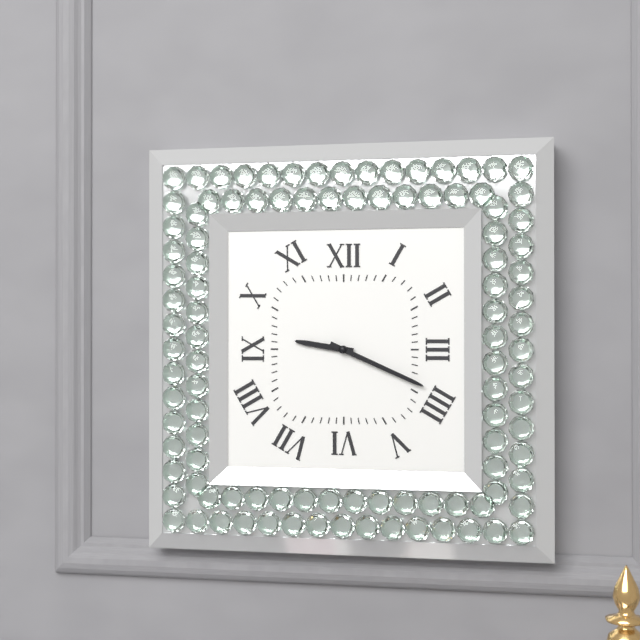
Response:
h=9 m=19
